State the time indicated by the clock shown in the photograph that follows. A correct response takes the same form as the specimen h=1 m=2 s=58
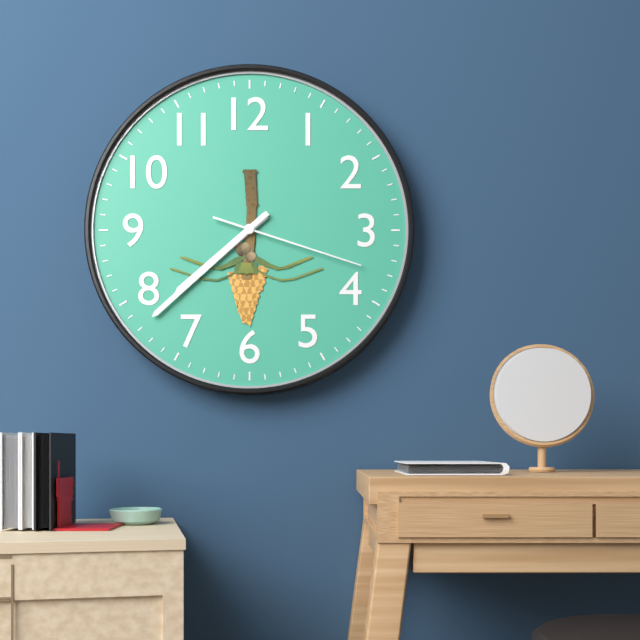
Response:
h=7 m=38 s=18
